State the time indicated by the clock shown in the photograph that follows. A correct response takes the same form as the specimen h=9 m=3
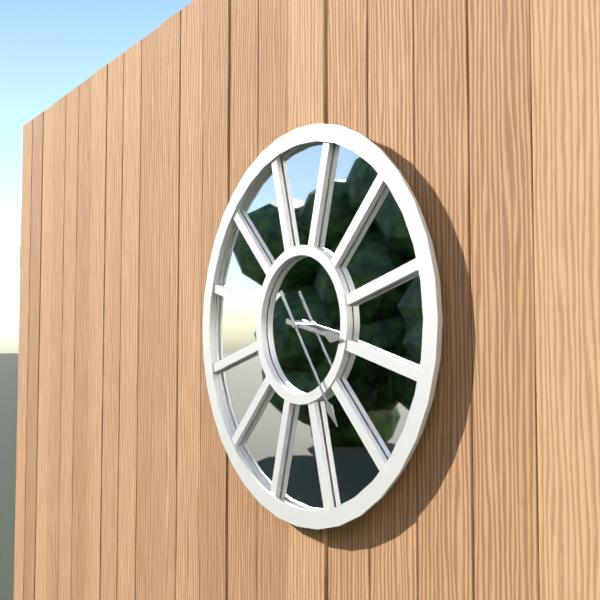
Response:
h=3 m=24
